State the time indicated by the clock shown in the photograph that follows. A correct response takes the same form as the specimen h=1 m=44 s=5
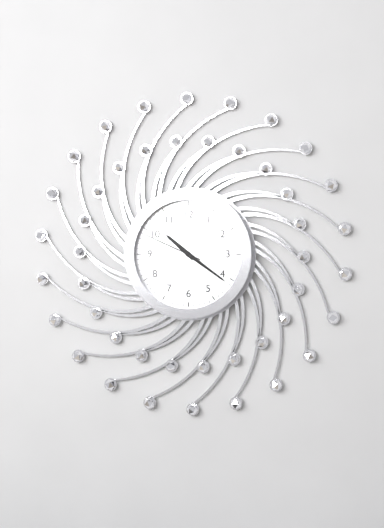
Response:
h=10 m=21 s=49
